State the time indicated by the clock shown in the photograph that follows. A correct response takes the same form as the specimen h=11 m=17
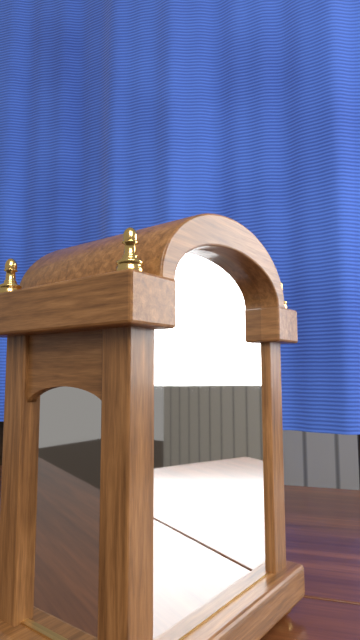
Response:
h=3 m=18
